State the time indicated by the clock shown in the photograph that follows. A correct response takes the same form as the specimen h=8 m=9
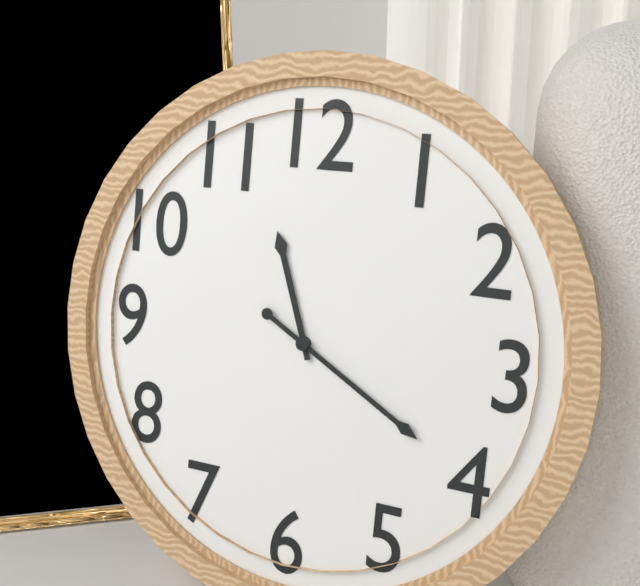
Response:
h=11 m=20
